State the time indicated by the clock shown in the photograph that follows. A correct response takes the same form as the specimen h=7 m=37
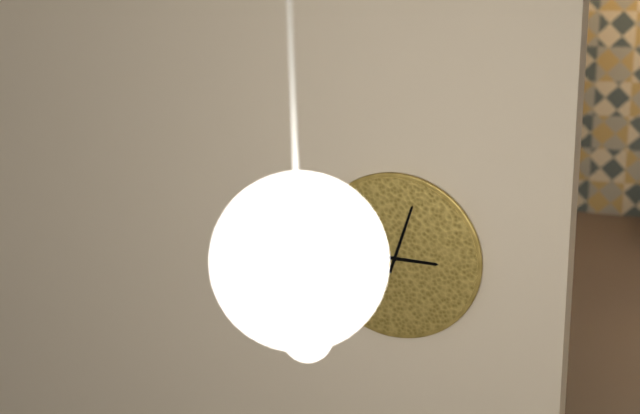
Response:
h=3 m=3
